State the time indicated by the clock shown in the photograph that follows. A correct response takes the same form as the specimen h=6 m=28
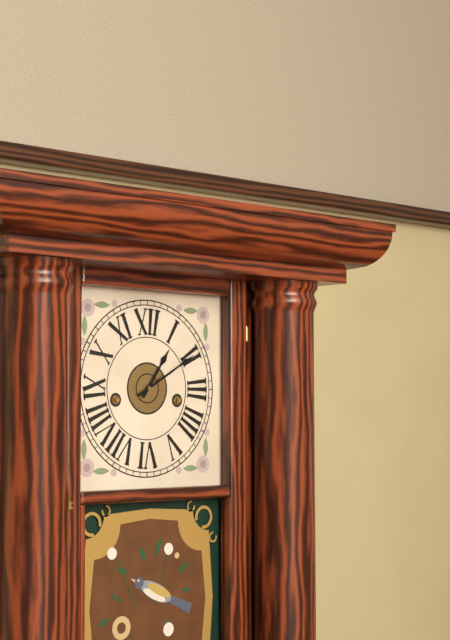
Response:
h=1 m=10
